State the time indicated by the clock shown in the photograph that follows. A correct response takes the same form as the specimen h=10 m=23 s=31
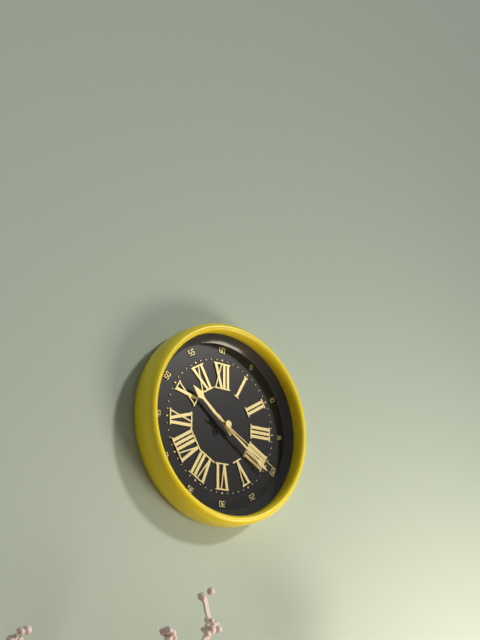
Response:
h=10 m=21 s=20
